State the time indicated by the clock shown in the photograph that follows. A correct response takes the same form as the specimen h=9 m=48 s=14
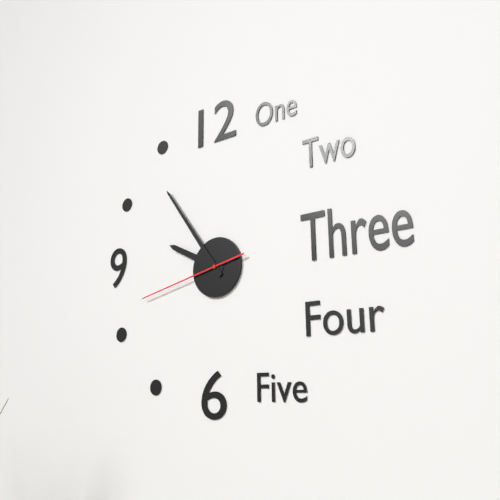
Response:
h=9 m=54 s=43
